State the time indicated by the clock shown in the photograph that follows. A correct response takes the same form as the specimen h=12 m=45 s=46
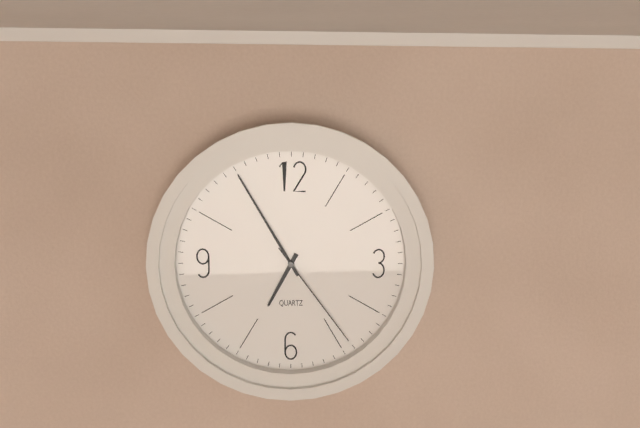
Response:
h=6 m=55 s=24
